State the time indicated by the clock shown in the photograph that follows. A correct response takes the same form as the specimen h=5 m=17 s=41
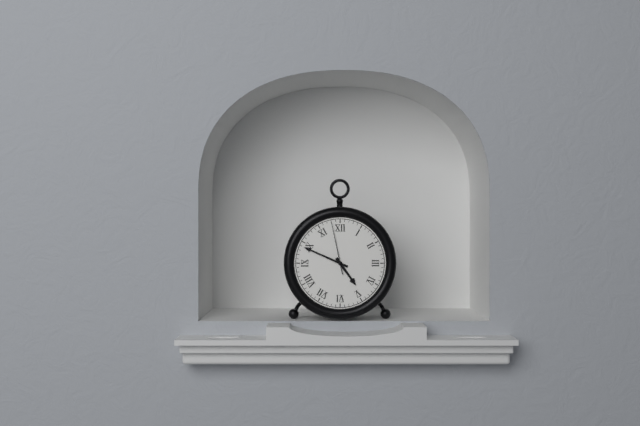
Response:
h=4 m=49 s=58
